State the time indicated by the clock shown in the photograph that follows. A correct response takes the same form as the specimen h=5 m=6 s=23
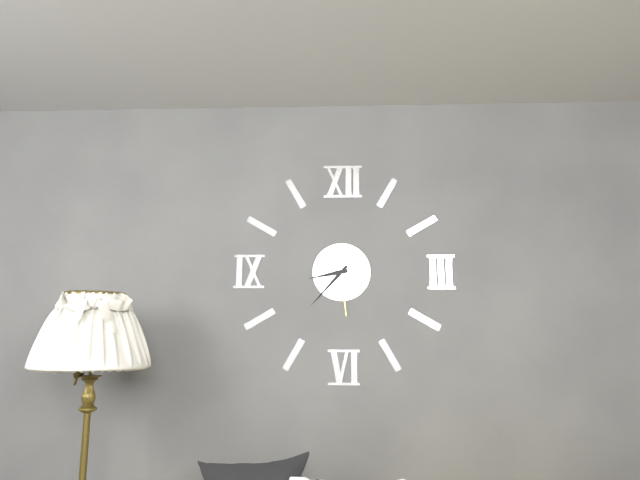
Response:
h=8 m=37 s=29
